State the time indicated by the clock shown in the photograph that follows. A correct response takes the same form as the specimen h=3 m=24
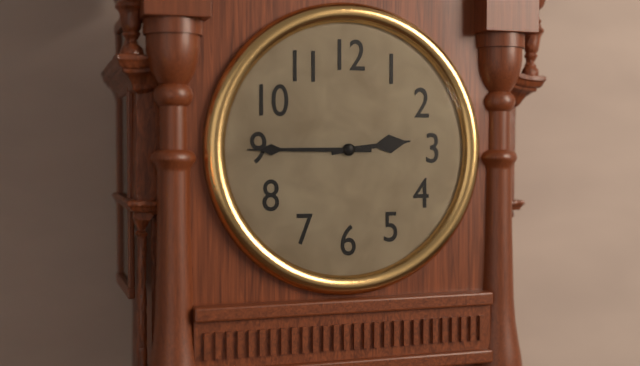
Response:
h=2 m=45
